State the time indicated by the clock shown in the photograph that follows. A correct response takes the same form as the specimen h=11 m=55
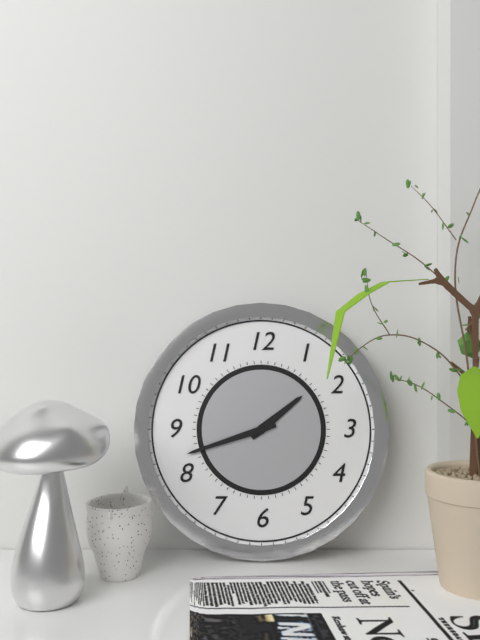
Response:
h=1 m=42
